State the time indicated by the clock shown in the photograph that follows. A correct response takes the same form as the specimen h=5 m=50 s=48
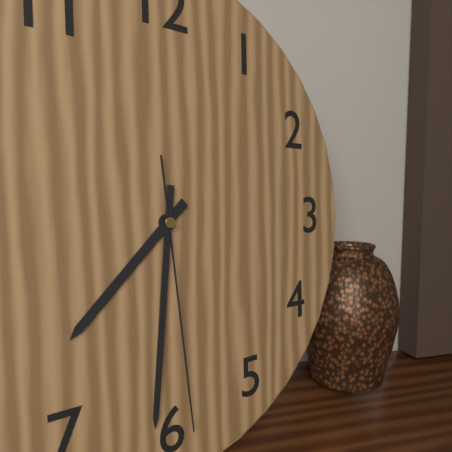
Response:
h=7 m=31 s=29
